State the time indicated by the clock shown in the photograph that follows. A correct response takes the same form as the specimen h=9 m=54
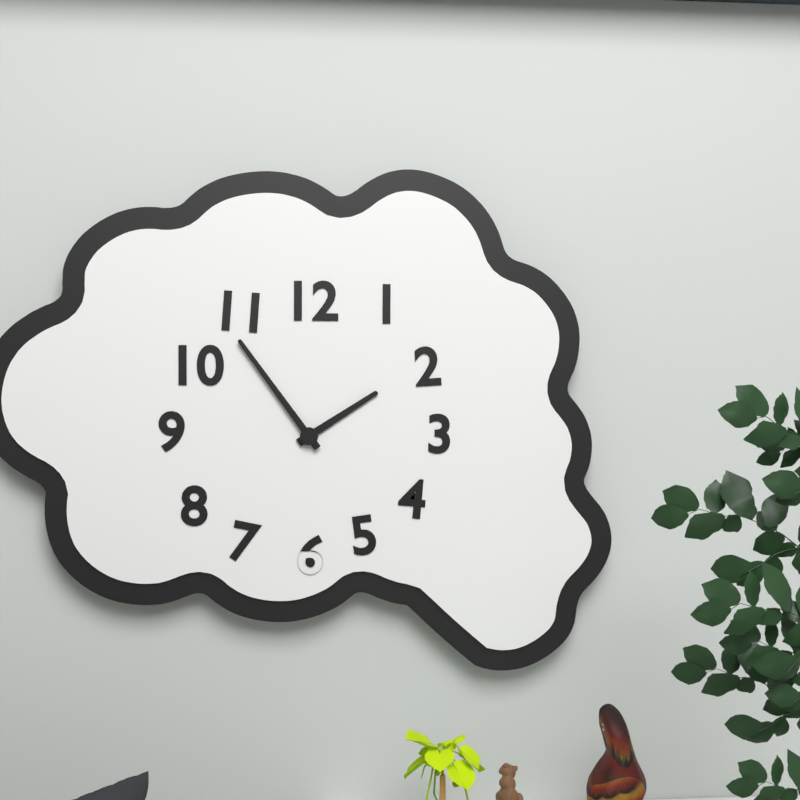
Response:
h=1 m=54
